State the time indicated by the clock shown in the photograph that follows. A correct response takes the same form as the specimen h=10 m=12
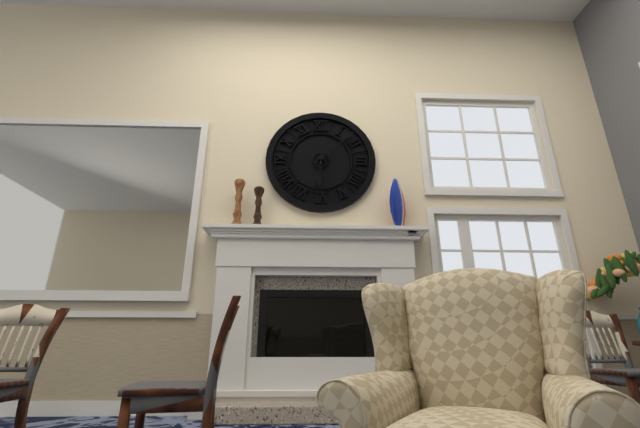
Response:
h=6 m=8
